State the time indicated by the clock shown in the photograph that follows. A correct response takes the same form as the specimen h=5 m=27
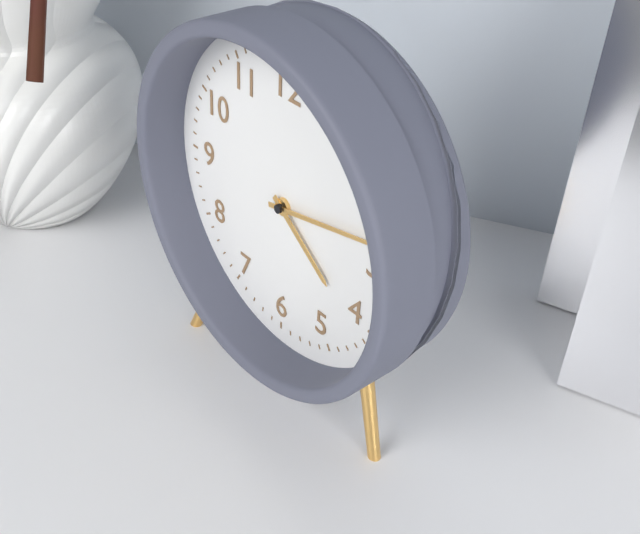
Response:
h=4 m=13
